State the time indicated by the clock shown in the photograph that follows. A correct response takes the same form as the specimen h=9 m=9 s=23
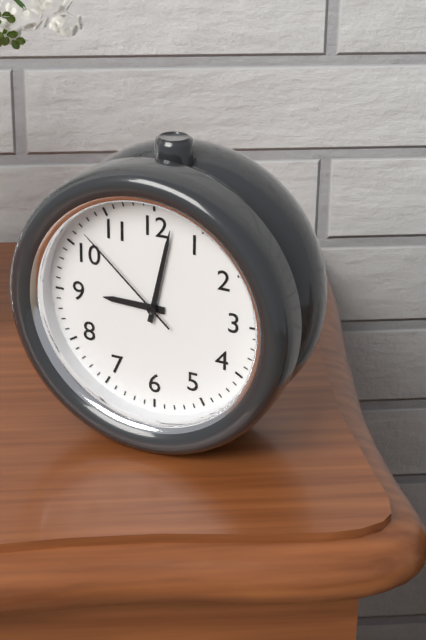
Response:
h=9 m=2 s=52
